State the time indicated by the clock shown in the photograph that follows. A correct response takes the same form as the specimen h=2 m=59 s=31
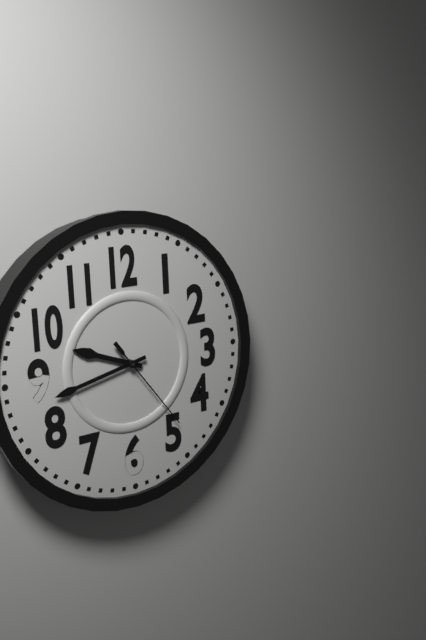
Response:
h=9 m=43 s=24
